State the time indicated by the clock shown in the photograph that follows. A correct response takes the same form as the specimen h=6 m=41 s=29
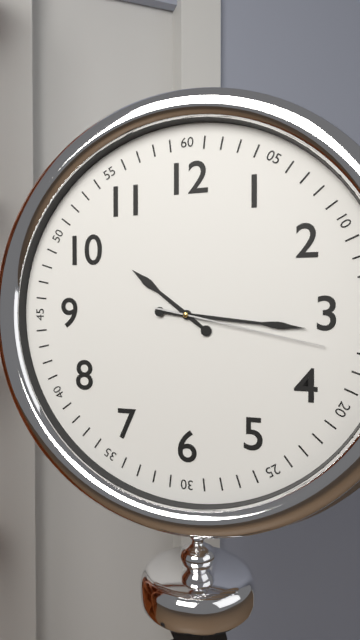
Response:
h=10 m=16 s=17
